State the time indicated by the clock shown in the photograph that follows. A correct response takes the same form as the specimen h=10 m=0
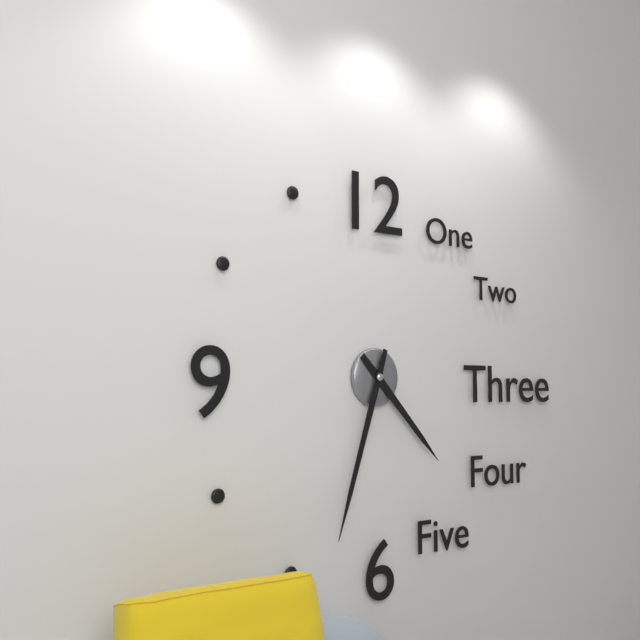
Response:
h=4 m=33
